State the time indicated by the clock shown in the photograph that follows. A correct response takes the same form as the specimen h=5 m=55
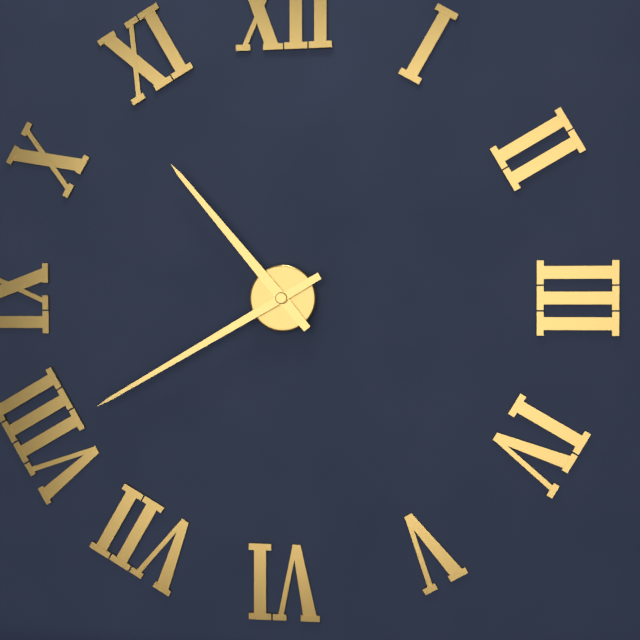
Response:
h=10 m=40
